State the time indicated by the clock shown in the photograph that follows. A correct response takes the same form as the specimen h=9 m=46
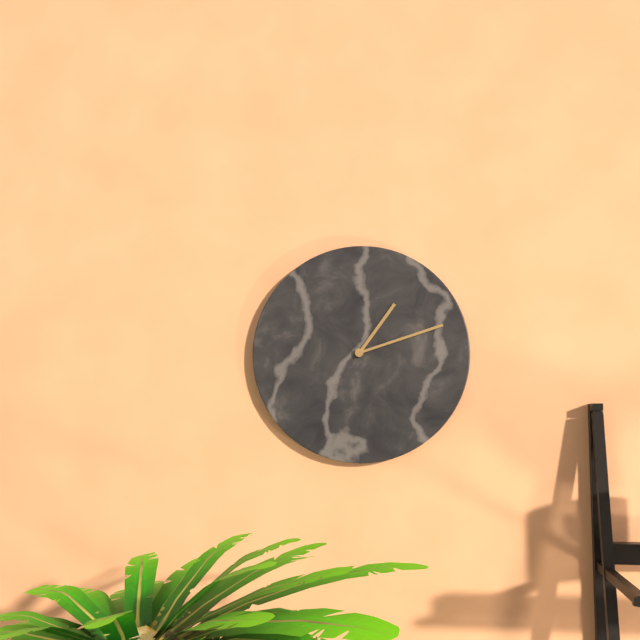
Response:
h=1 m=12
